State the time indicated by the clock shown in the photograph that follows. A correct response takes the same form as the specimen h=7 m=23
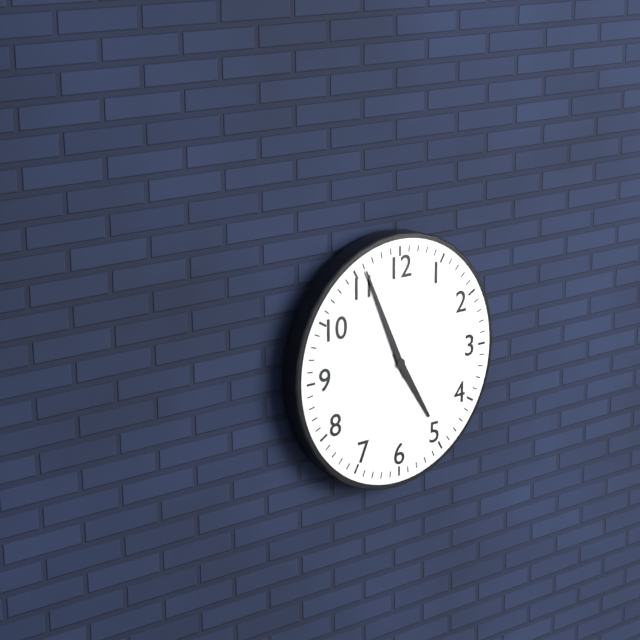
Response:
h=4 m=56
